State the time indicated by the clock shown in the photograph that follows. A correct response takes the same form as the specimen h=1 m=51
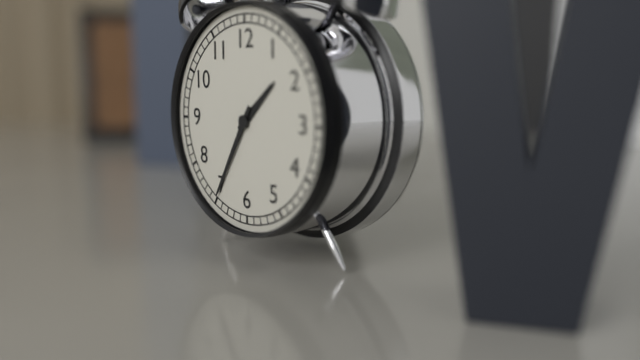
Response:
h=1 m=35
